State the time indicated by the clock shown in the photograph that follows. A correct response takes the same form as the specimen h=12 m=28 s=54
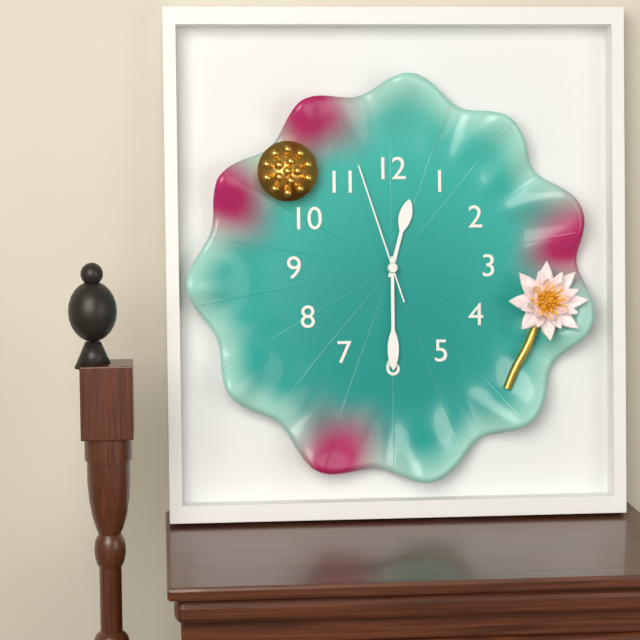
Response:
h=12 m=30 s=57
